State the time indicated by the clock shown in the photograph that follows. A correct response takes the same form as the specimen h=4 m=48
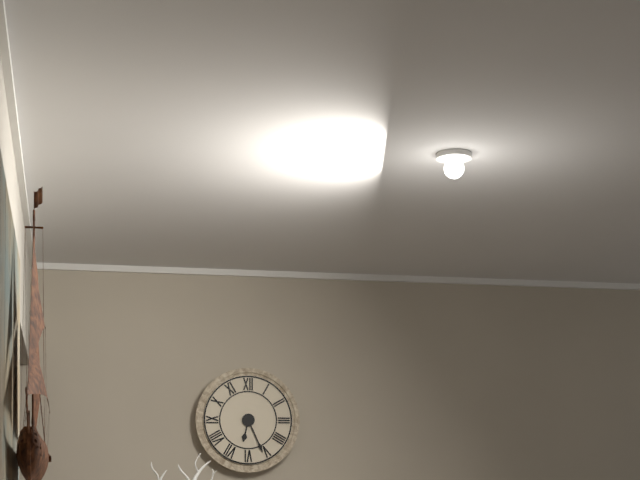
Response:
h=6 m=26
